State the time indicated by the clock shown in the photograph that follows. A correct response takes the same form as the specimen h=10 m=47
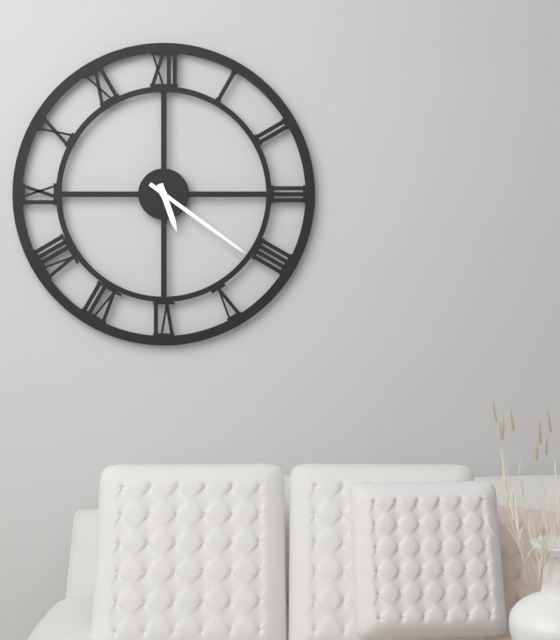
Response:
h=5 m=21
